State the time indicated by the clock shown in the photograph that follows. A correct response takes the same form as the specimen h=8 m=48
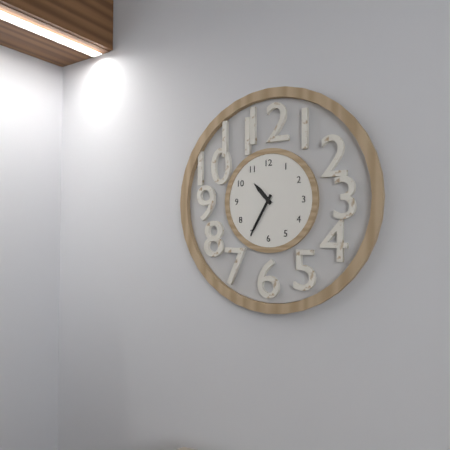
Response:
h=10 m=35
